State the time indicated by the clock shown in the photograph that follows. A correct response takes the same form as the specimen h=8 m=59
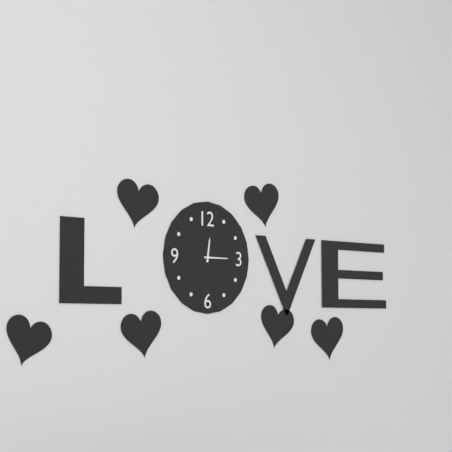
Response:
h=12 m=15
